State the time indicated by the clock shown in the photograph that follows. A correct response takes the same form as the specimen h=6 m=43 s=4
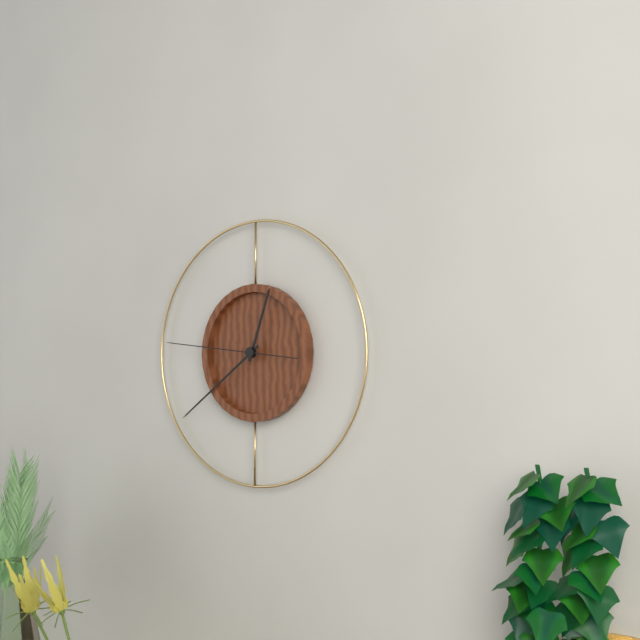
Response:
h=12 m=39 s=46
